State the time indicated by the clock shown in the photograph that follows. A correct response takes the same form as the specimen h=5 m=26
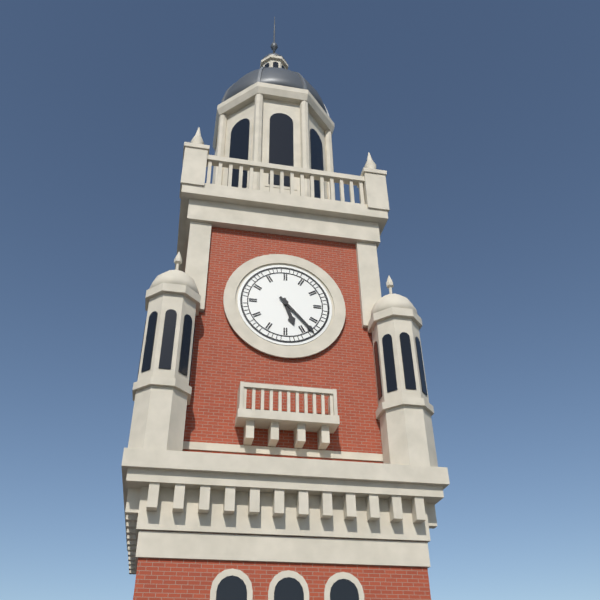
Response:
h=5 m=23
